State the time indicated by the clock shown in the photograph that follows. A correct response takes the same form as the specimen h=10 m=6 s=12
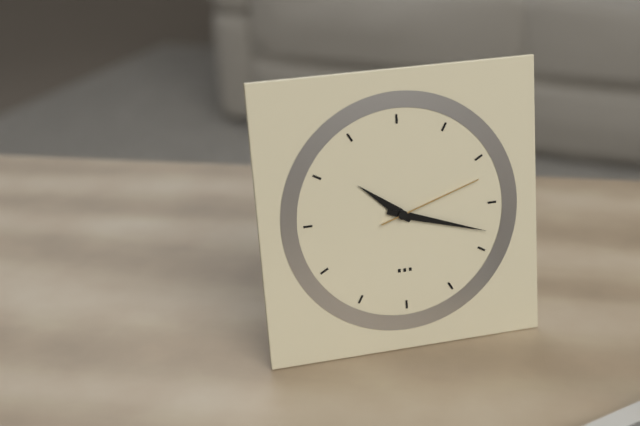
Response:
h=10 m=18 s=12
